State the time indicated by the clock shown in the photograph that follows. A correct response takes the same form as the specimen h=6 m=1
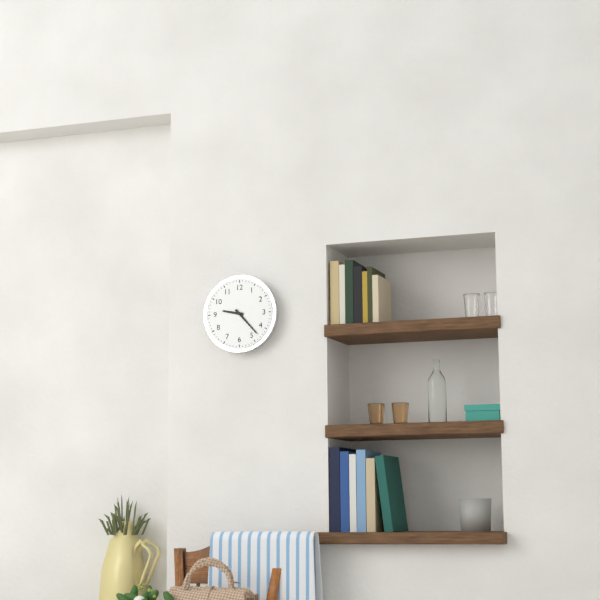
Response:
h=9 m=23
